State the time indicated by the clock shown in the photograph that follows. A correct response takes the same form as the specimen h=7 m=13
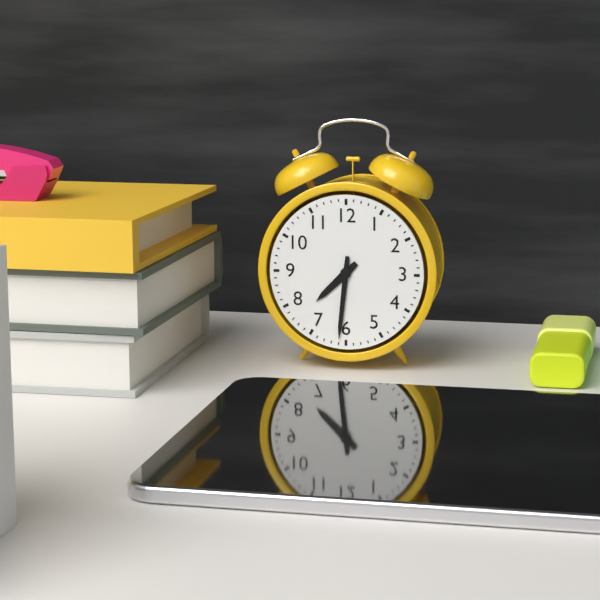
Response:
h=7 m=31
